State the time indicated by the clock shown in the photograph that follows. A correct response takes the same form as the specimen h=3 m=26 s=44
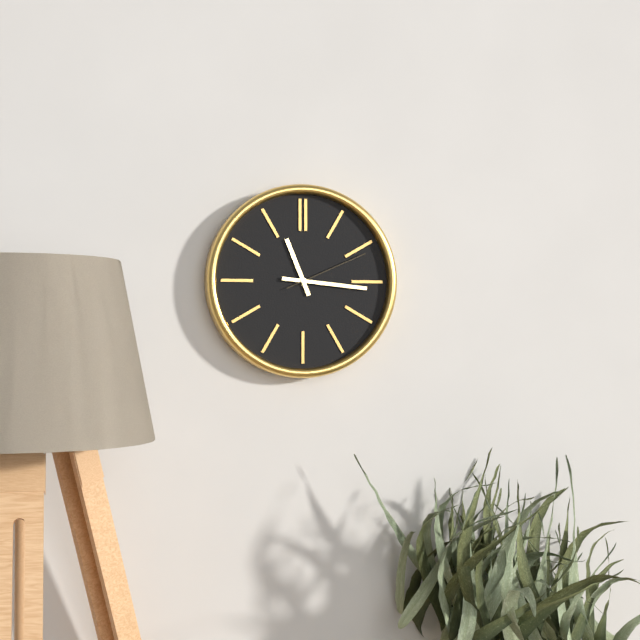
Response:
h=11 m=16 s=11
